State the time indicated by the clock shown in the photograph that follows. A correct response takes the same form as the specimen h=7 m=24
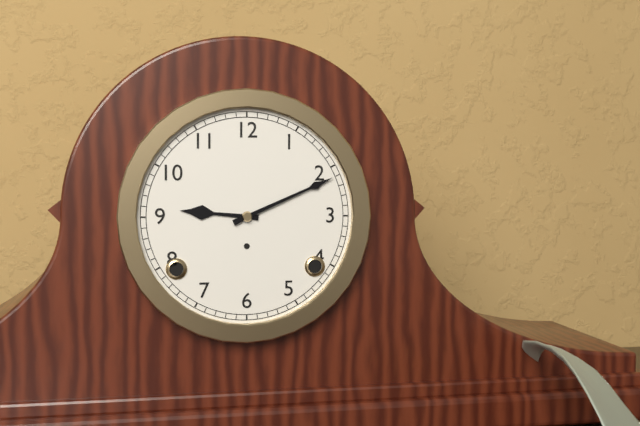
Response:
h=9 m=11
